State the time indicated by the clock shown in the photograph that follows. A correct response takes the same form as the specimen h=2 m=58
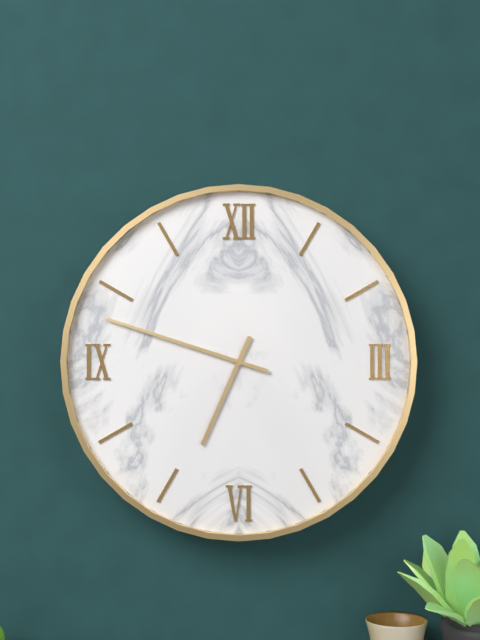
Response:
h=6 m=48
